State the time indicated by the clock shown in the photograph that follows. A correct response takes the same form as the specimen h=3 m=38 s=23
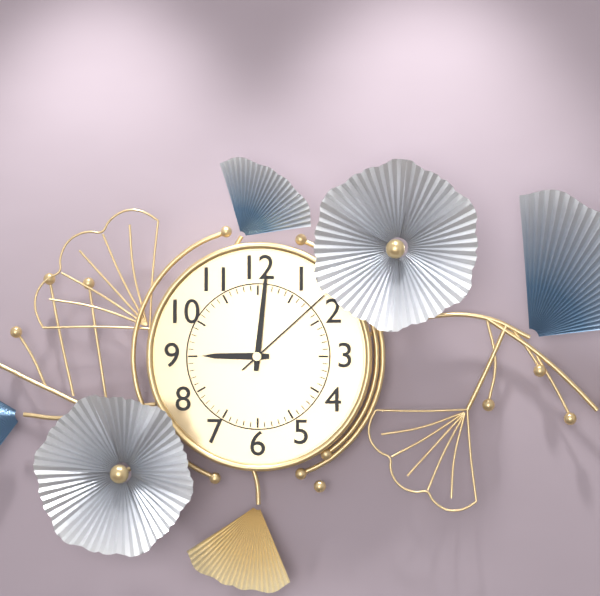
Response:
h=9 m=1 s=8
